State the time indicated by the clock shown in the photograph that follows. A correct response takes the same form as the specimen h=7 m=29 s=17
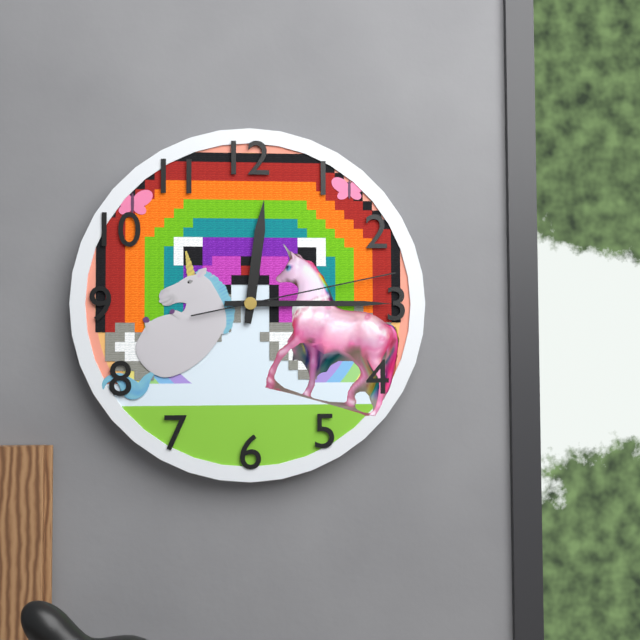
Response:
h=12 m=15 s=13
